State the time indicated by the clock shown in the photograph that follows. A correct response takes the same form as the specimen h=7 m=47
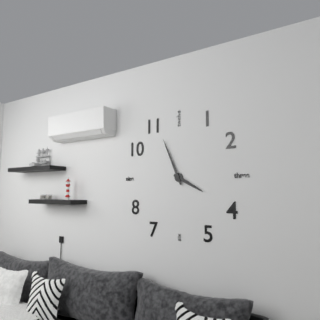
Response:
h=3 m=56
